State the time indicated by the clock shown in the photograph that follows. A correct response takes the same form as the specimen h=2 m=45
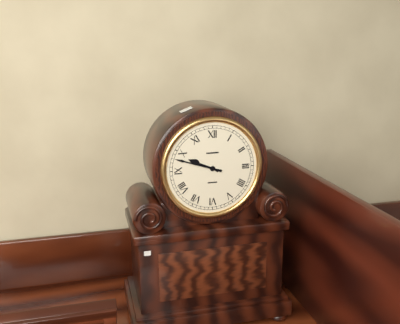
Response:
h=9 m=48
